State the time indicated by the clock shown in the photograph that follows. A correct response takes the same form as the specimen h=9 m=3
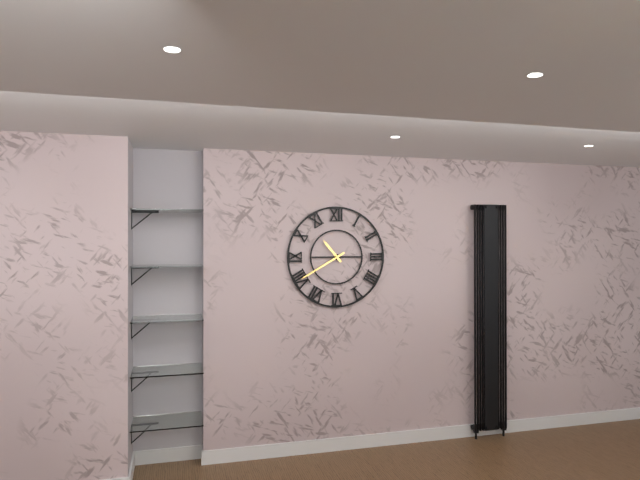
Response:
h=10 m=40
